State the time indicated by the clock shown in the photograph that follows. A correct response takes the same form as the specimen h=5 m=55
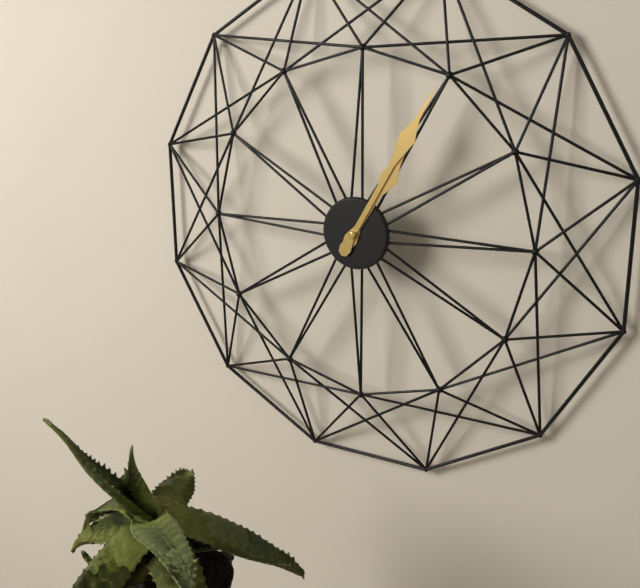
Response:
h=1 m=5
